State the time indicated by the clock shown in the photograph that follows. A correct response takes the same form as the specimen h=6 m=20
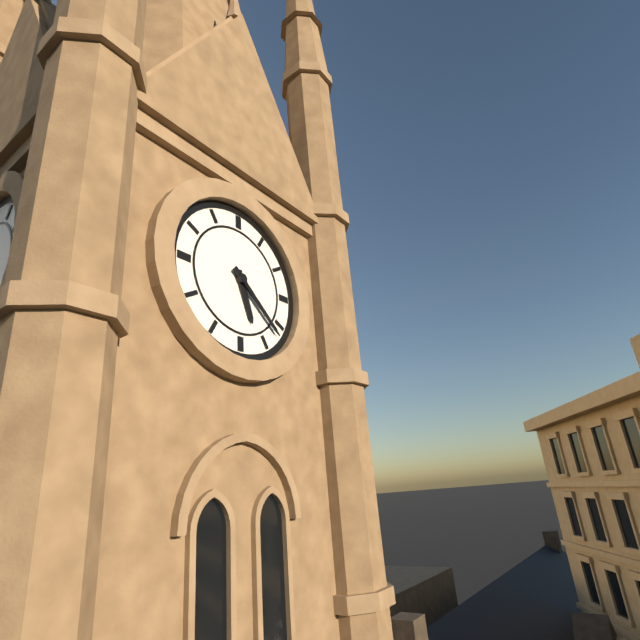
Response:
h=5 m=22
